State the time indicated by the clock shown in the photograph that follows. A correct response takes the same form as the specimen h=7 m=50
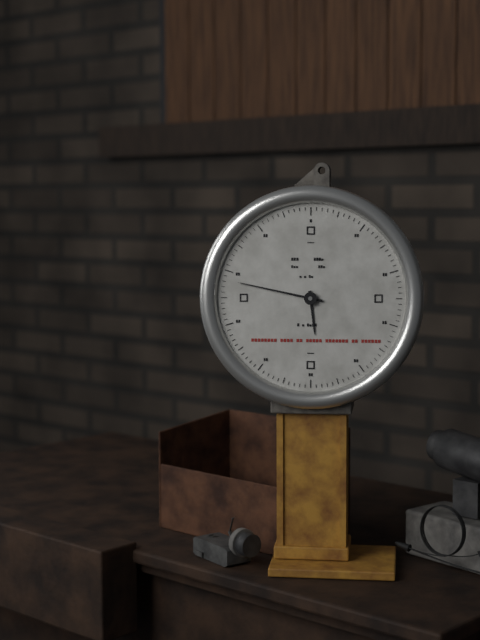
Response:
h=5 m=47
